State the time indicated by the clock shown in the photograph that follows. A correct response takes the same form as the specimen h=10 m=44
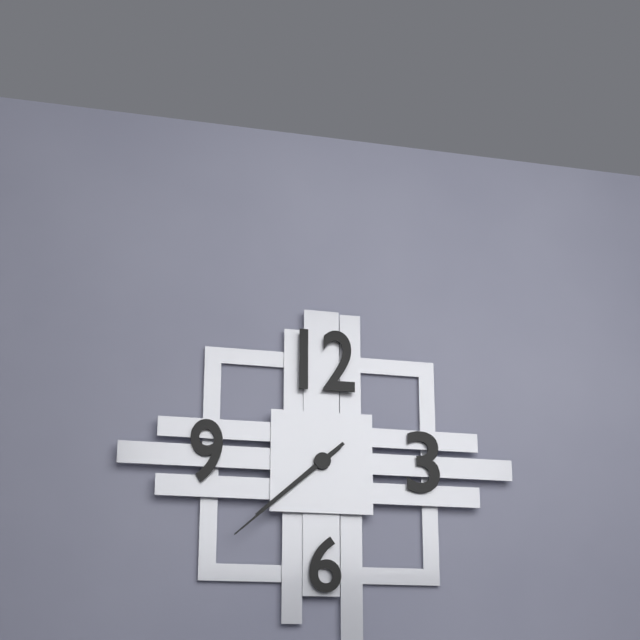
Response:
h=7 m=38
